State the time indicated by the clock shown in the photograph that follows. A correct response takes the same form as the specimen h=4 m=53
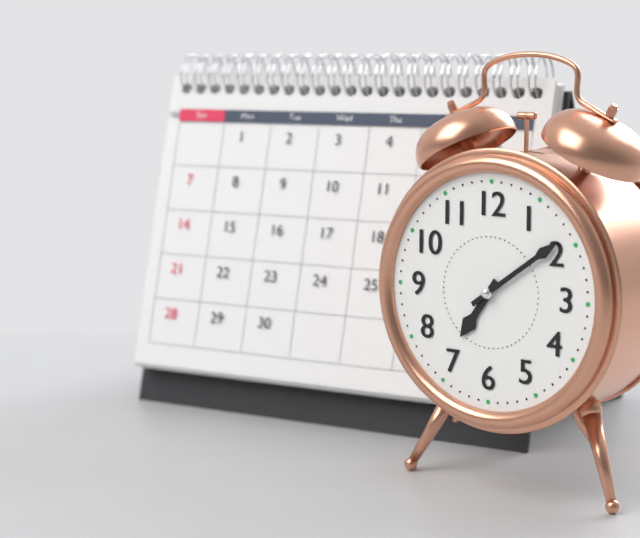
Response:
h=7 m=9
